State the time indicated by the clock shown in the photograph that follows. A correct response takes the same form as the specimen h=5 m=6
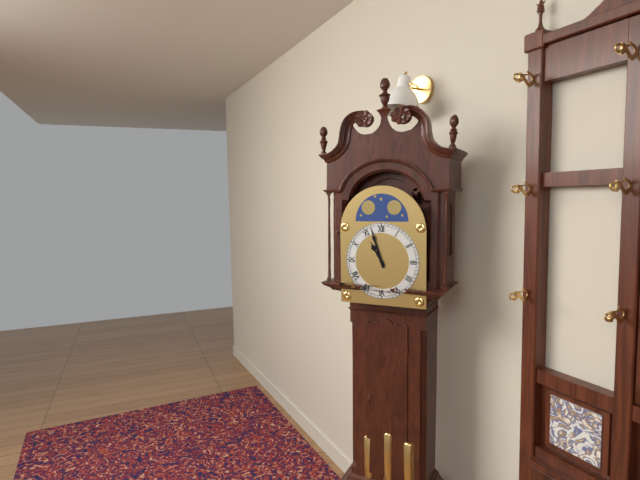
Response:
h=10 m=57
